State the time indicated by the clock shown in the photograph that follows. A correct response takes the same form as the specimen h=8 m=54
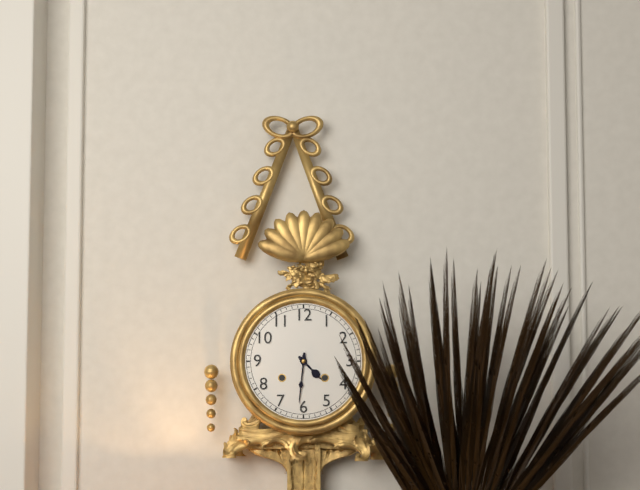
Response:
h=4 m=31
